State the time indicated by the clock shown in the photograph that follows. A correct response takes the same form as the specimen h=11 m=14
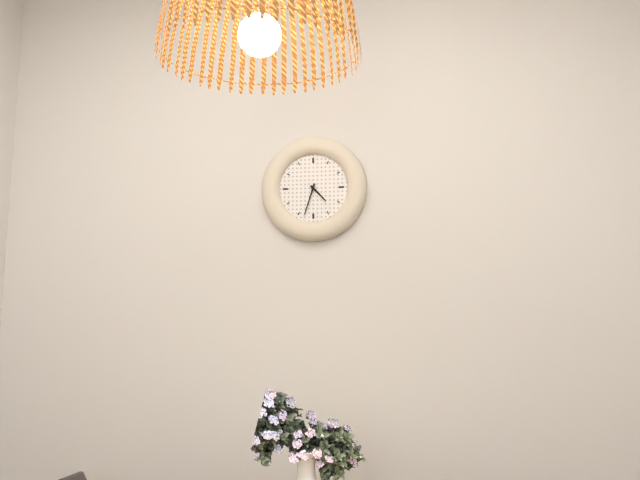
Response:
h=4 m=33
